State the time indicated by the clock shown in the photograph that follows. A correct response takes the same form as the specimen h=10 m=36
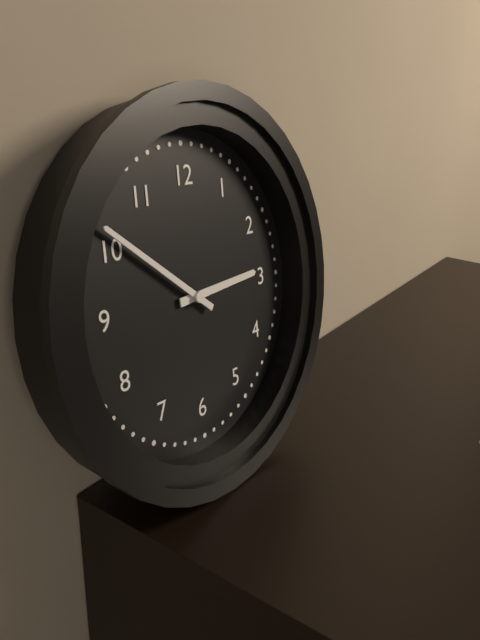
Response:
h=2 m=51
